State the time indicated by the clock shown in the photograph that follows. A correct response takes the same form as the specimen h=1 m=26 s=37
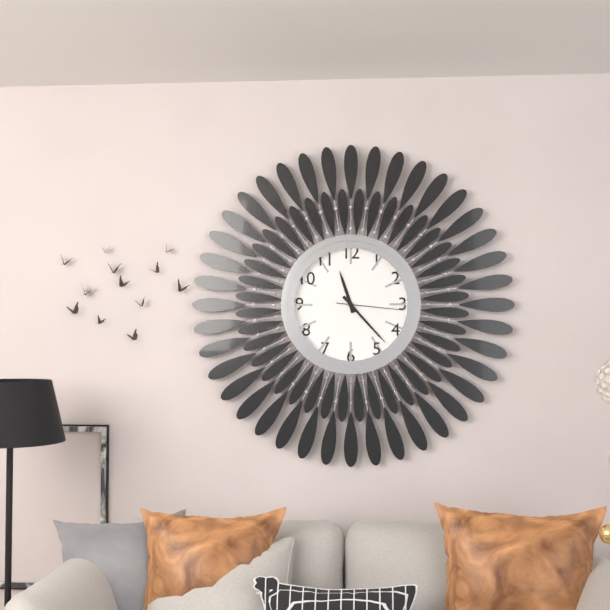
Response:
h=11 m=23 s=16
